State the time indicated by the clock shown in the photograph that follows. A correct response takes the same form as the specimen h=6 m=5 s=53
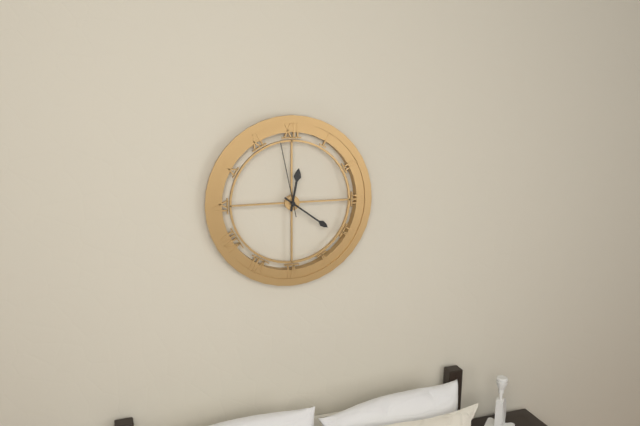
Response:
h=12 m=21 s=58
